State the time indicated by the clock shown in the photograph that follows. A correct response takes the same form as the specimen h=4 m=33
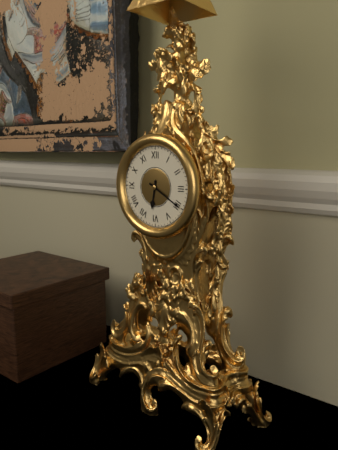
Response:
h=6 m=20
